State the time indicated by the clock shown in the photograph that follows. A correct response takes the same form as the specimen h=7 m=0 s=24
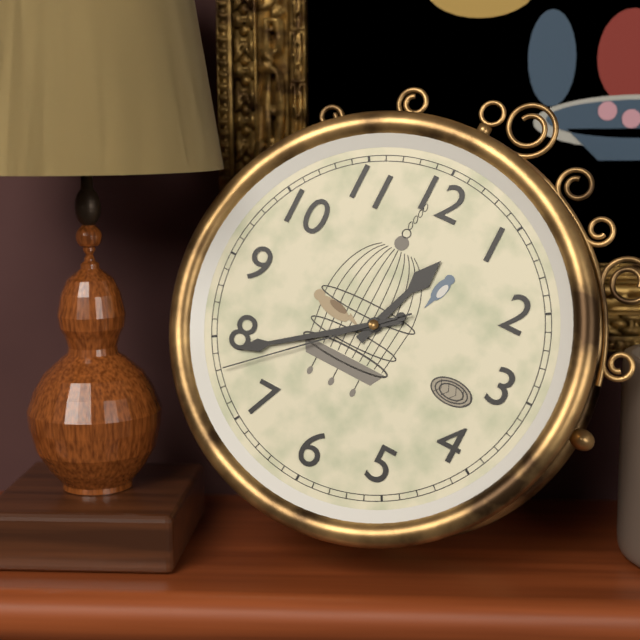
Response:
h=12 m=39 s=38
